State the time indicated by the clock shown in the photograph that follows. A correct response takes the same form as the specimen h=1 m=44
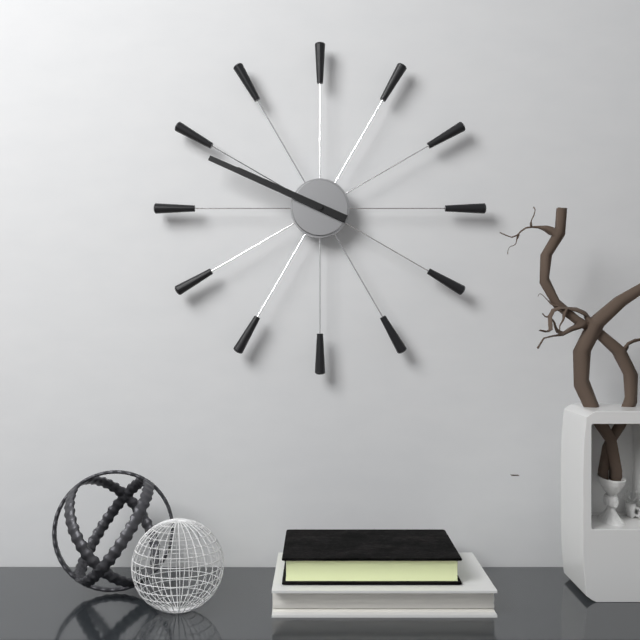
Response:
h=9 m=49
